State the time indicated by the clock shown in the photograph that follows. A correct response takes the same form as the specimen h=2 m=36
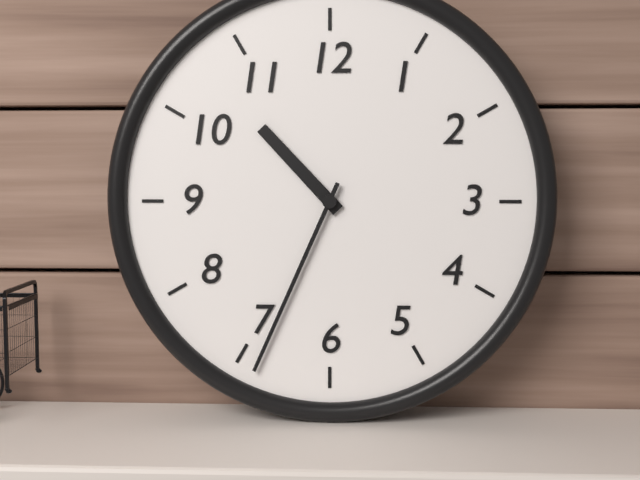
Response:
h=10 m=34
